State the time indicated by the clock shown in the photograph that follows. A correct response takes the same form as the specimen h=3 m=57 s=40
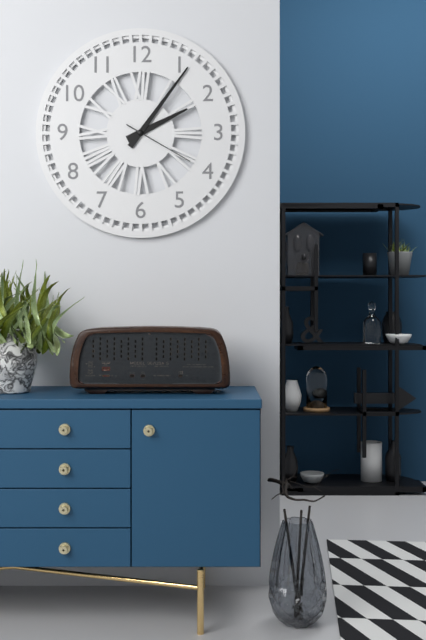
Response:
h=2 m=6 s=20
